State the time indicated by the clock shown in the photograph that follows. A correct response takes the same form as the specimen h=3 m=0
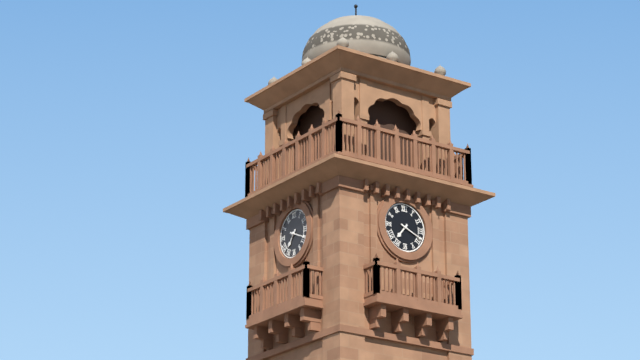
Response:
h=7 m=19
